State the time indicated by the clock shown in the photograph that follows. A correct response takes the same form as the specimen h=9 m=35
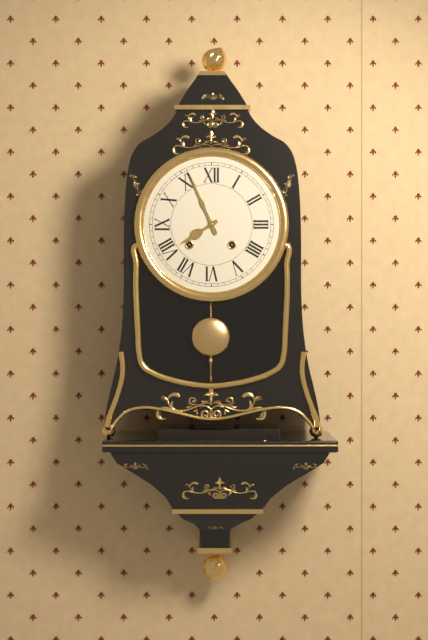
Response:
h=7 m=56
